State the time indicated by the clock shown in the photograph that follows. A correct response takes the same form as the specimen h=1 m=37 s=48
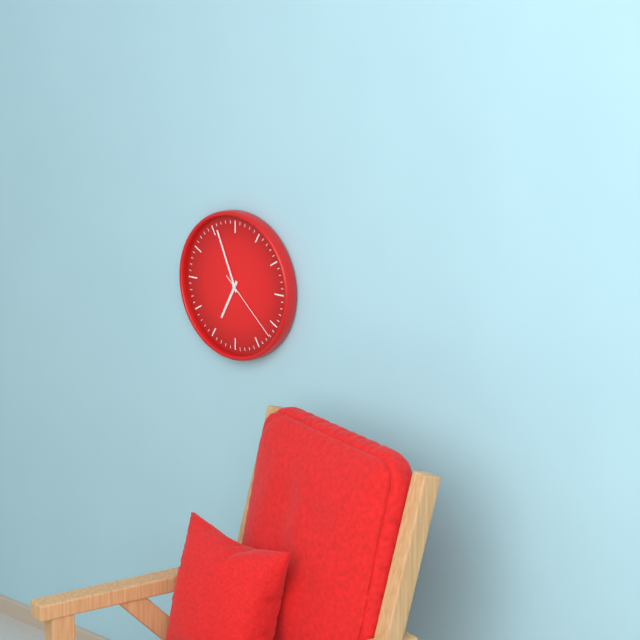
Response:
h=6 m=56 s=22
